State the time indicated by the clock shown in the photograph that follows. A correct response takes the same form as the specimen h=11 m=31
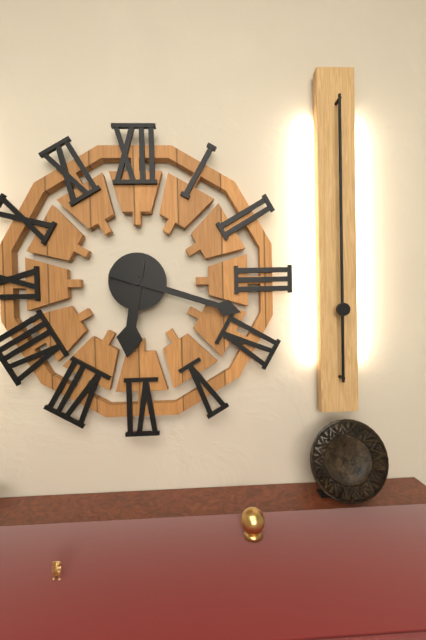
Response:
h=6 m=18
